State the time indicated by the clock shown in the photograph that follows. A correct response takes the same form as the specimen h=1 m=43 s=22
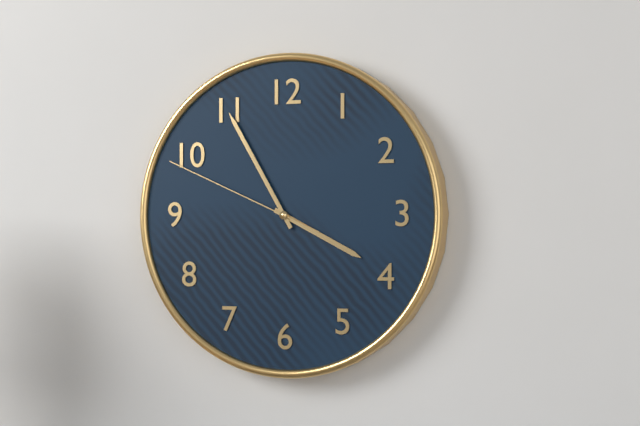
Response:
h=3 m=55 s=49
